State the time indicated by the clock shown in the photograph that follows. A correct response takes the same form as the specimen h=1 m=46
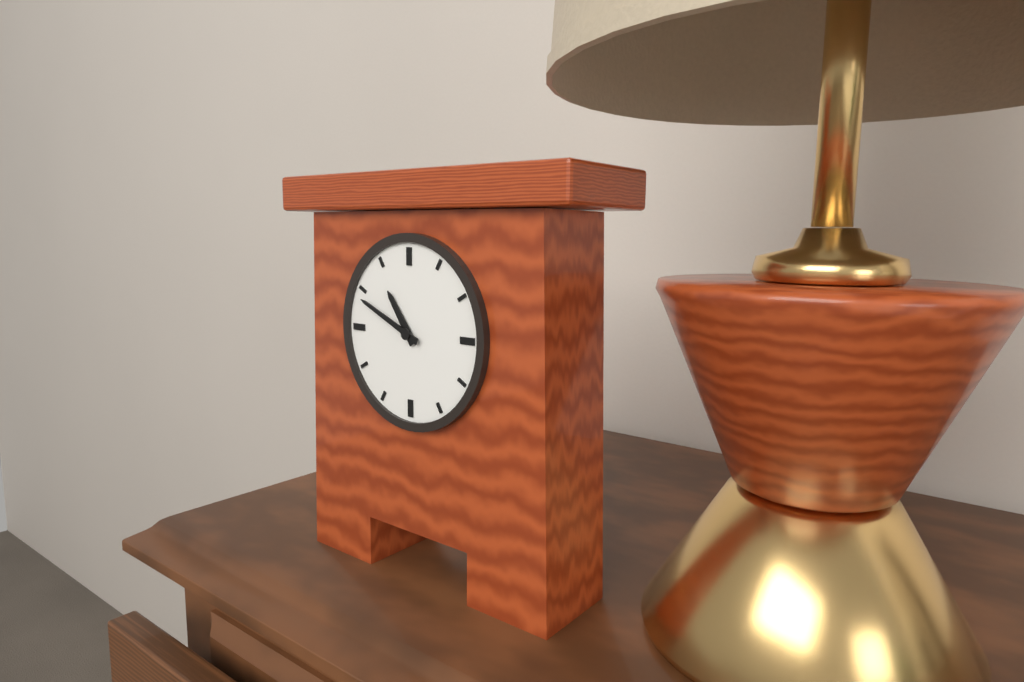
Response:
h=10 m=49
